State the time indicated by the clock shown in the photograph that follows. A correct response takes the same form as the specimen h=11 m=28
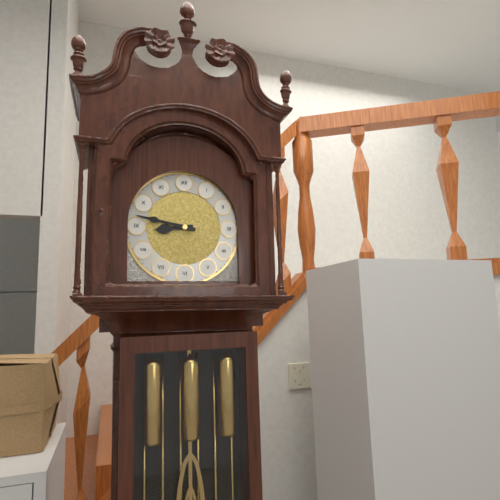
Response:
h=8 m=47
